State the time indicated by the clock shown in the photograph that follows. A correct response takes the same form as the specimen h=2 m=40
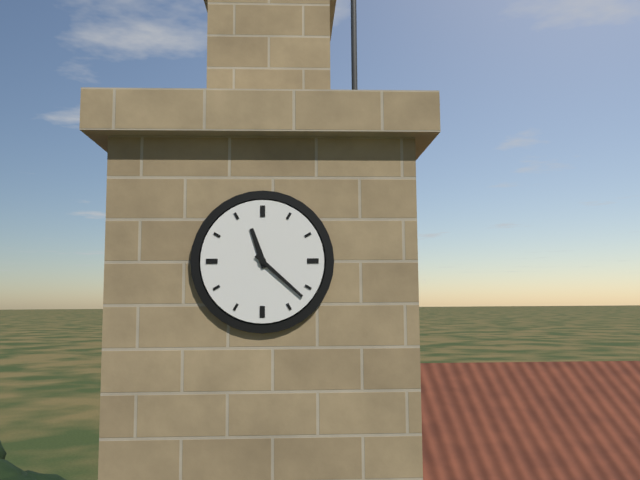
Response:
h=11 m=22
